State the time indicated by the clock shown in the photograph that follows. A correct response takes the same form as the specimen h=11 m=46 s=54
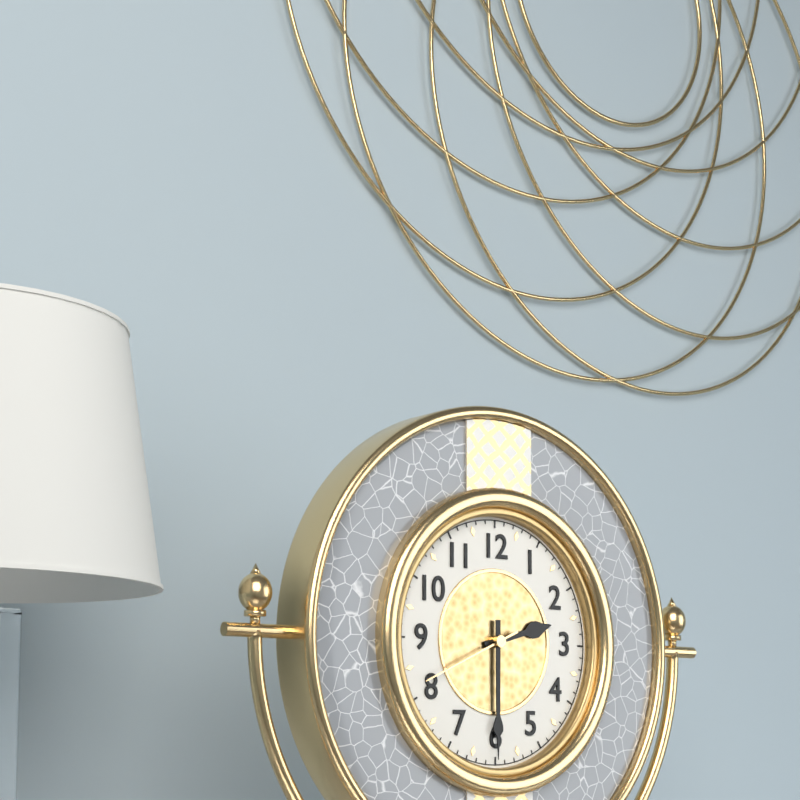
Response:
h=2 m=30 s=41
